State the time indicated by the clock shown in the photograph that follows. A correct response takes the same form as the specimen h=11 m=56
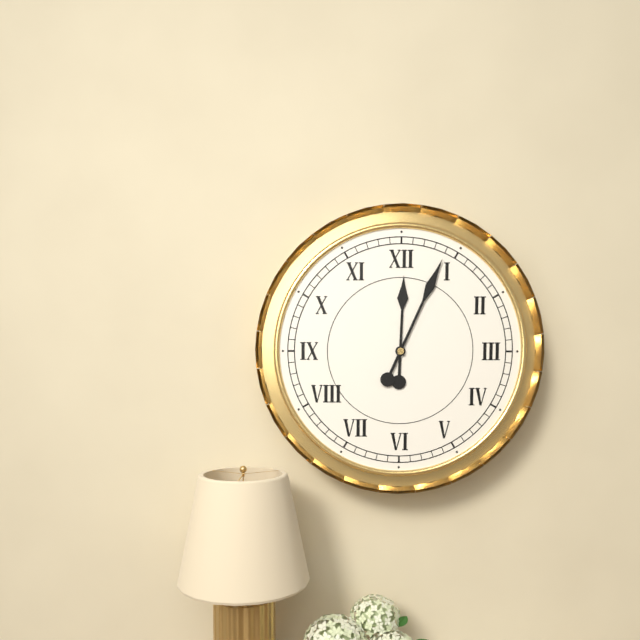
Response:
h=12 m=4
